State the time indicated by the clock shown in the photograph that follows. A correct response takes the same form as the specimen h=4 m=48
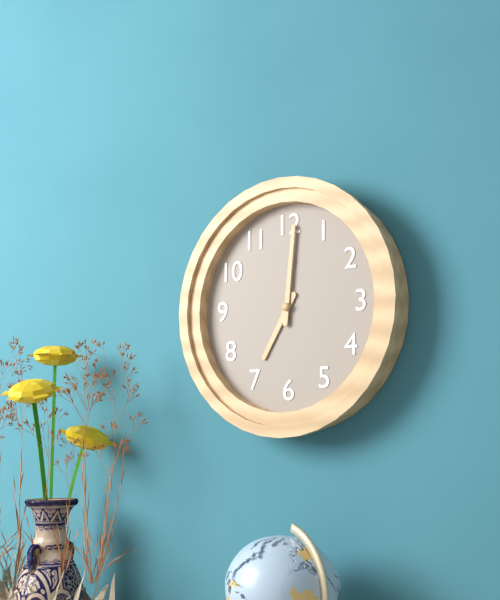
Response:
h=7 m=1
